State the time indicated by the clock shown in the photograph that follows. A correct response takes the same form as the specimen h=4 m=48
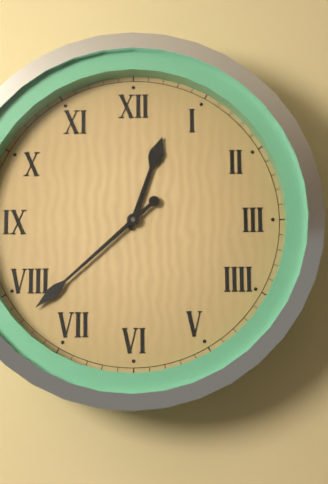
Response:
h=12 m=38
